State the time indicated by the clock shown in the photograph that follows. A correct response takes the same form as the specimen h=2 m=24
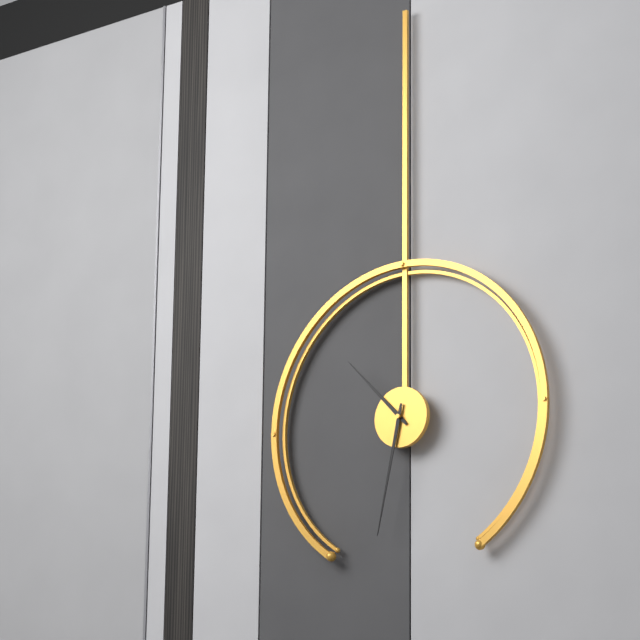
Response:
h=10 m=32
